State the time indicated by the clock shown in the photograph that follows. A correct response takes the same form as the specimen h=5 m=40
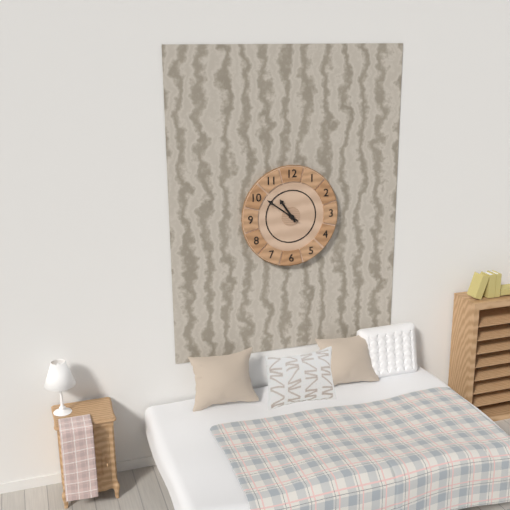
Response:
h=10 m=51
